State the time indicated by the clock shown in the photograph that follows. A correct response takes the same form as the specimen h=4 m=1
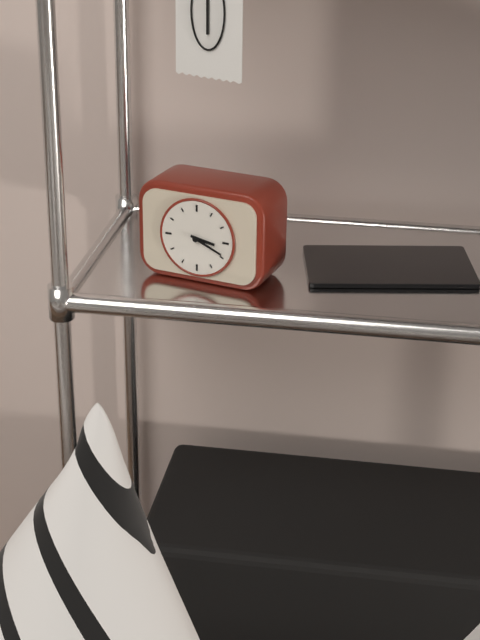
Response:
h=3 m=19
